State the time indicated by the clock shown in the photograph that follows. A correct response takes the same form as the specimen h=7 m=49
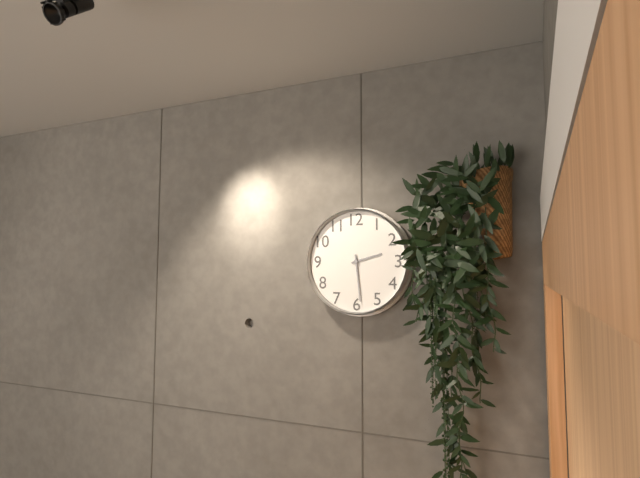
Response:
h=2 m=29
